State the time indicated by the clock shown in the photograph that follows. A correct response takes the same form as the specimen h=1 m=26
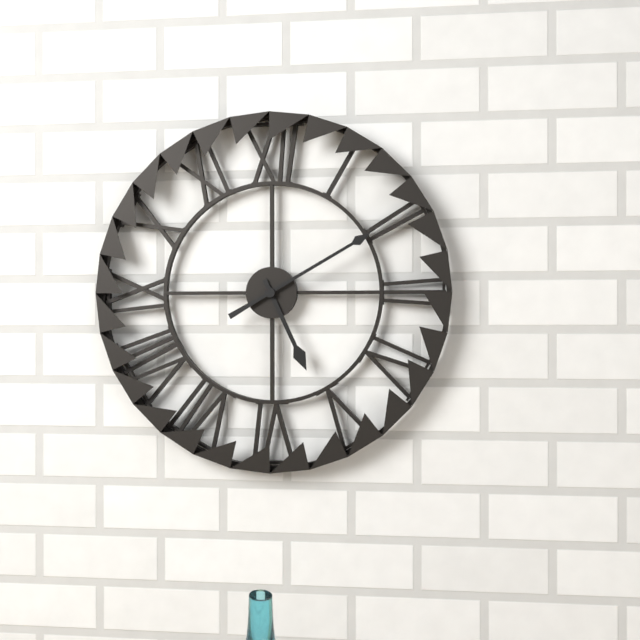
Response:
h=5 m=10
